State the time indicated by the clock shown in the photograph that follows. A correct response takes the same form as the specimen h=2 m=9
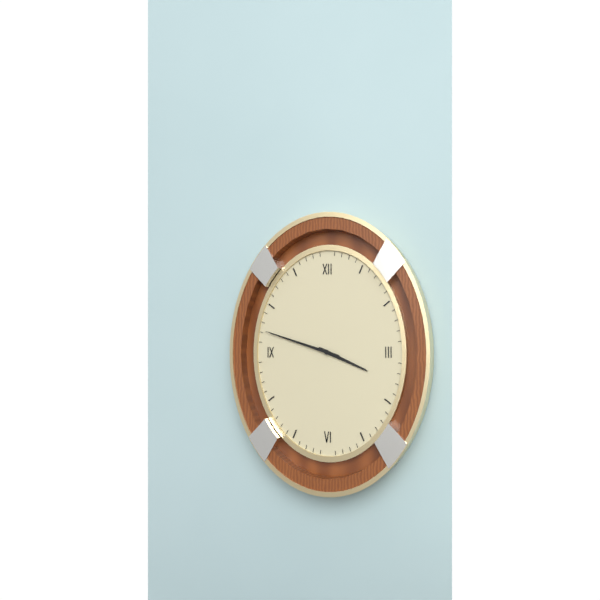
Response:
h=3 m=48
